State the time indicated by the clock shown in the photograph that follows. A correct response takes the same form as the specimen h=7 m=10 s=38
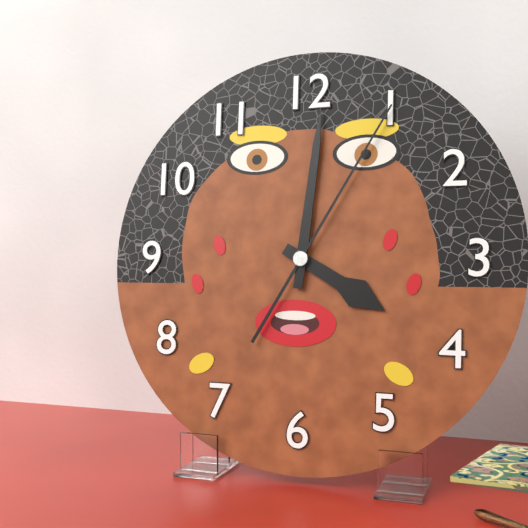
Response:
h=4 m=1 s=5
